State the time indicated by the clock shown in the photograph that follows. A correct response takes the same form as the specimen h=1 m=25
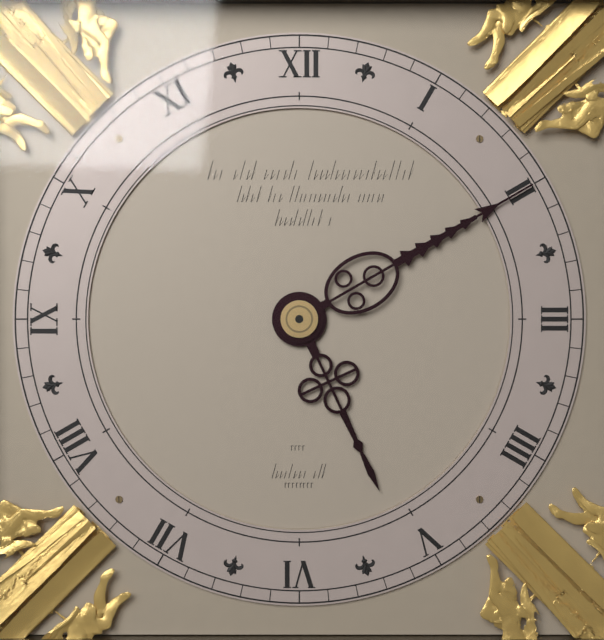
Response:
h=5 m=10
